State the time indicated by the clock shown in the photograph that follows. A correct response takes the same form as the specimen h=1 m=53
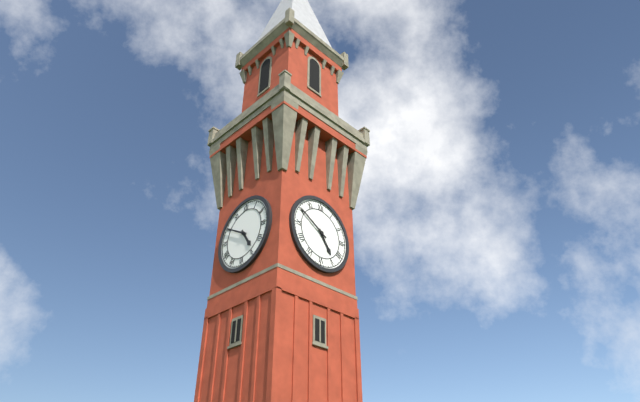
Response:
h=4 m=50
